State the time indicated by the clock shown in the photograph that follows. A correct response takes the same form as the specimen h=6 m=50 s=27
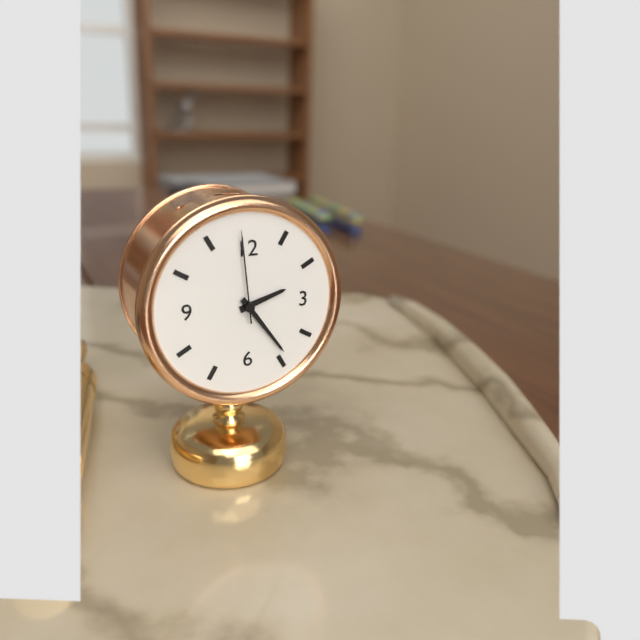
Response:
h=2 m=24 s=59
